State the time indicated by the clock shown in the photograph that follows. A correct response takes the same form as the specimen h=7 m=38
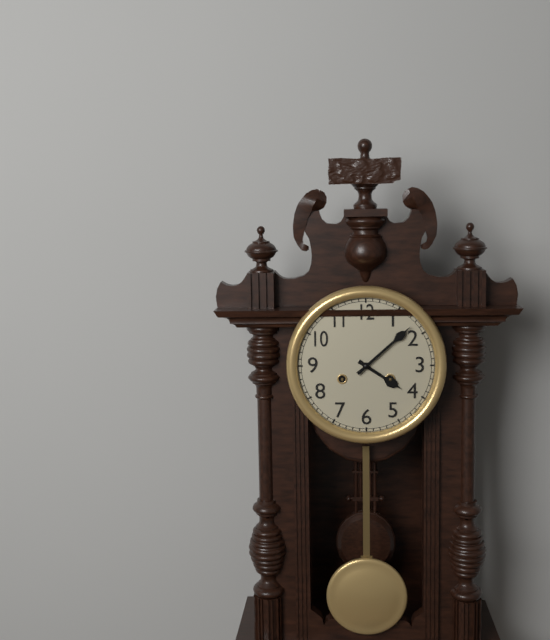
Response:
h=4 m=8
